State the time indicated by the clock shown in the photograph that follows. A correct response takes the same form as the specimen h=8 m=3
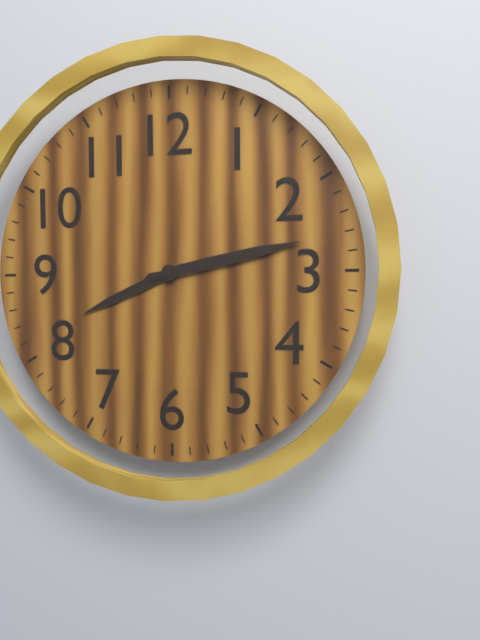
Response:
h=8 m=13
